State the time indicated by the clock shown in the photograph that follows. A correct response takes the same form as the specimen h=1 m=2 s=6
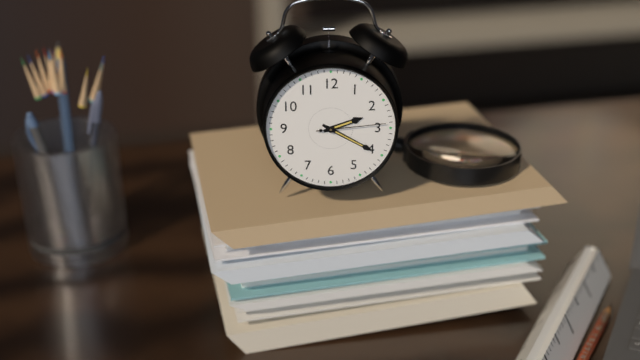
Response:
h=2 m=20 s=14
